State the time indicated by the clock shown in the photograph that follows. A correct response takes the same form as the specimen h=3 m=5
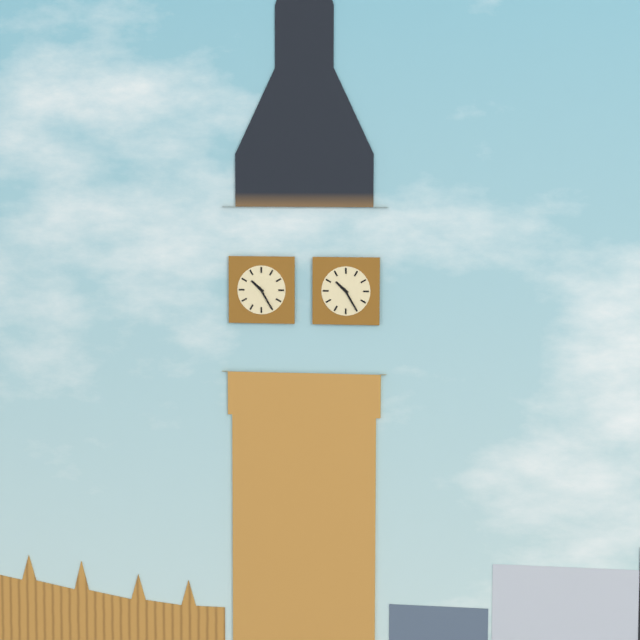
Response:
h=10 m=25
